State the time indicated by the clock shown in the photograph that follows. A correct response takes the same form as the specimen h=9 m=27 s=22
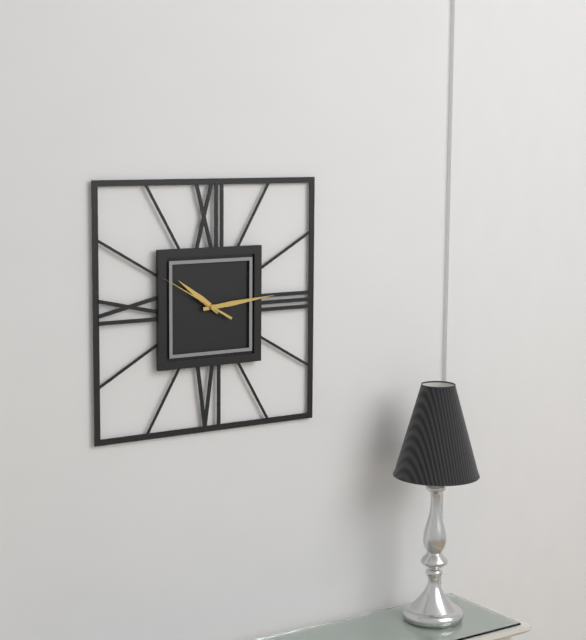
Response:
h=10 m=14 s=50
